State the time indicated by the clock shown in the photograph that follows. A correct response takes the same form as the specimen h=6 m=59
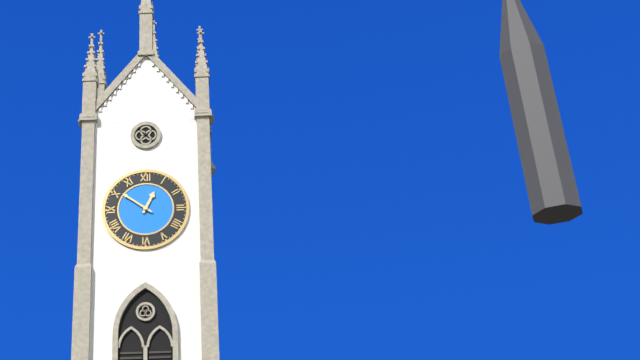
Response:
h=12 m=51
